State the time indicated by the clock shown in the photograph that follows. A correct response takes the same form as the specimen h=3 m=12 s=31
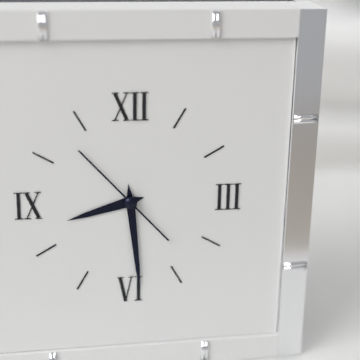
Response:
h=8 m=29 s=53
